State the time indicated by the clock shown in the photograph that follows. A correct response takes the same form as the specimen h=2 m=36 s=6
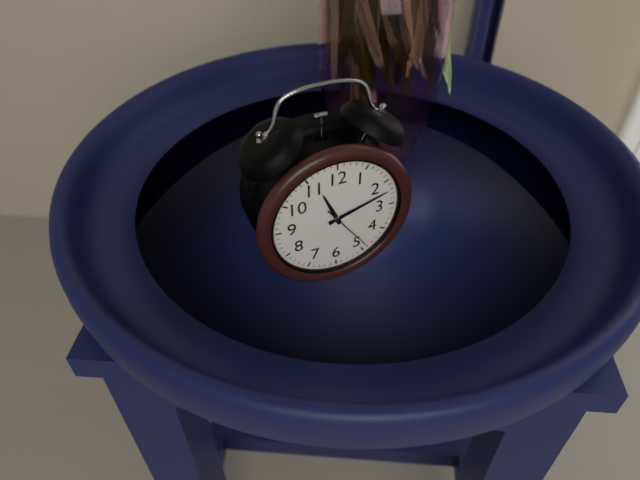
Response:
h=11 m=12 s=24
